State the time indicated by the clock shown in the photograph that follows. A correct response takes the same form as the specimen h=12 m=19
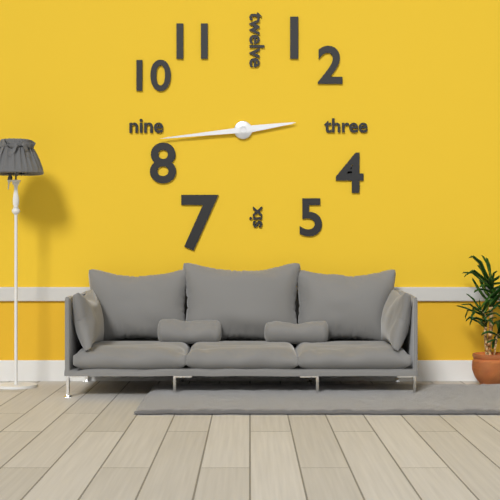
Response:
h=2 m=44
